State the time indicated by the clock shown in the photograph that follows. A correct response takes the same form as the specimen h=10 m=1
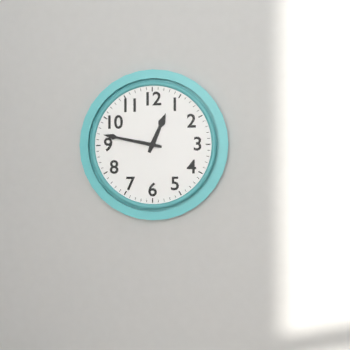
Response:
h=12 m=47
